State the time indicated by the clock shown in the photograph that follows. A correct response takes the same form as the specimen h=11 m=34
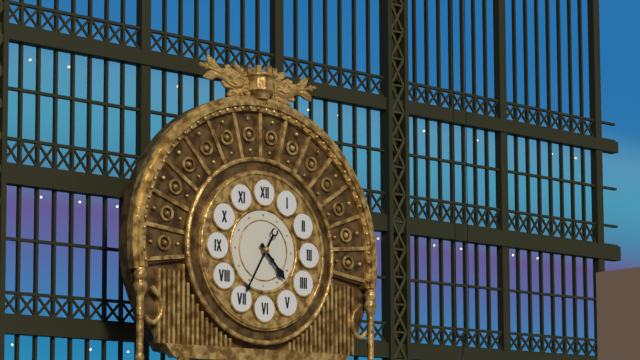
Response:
h=4 m=35
